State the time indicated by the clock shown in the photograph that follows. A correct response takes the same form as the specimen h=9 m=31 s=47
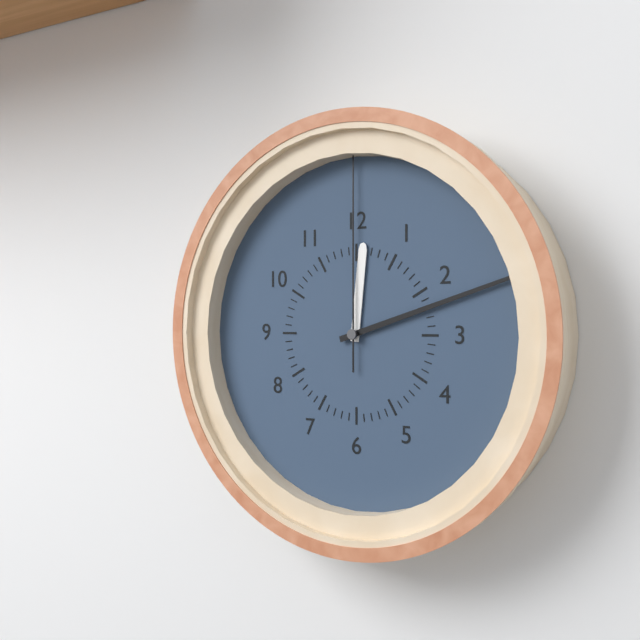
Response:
h=12 m=12 s=0
